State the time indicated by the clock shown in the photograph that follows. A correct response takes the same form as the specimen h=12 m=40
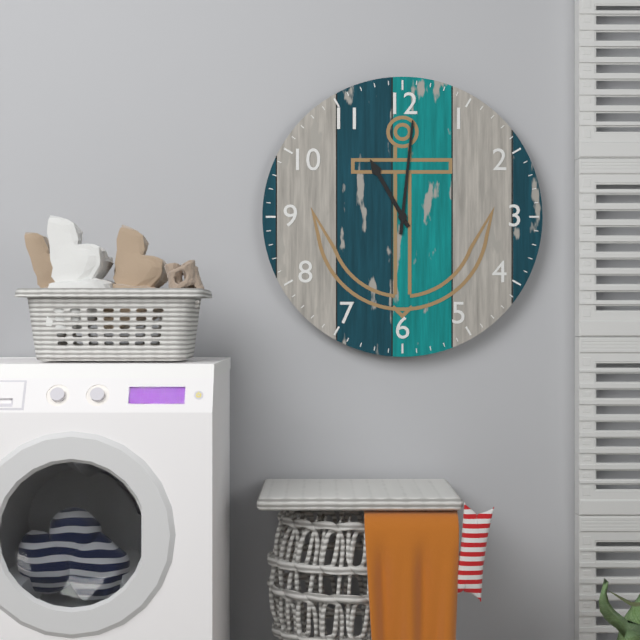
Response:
h=11 m=1
